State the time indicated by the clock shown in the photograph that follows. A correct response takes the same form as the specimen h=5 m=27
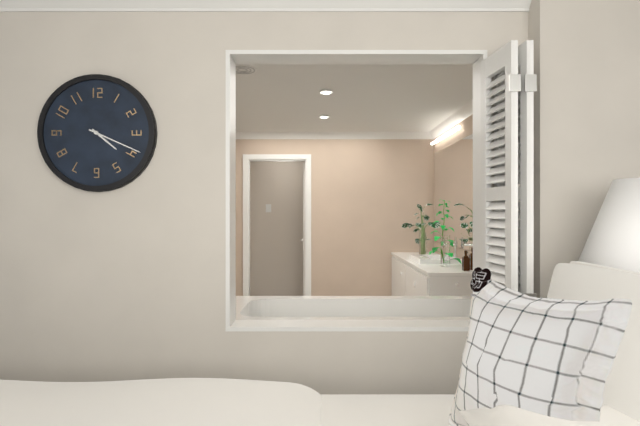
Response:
h=4 m=19
